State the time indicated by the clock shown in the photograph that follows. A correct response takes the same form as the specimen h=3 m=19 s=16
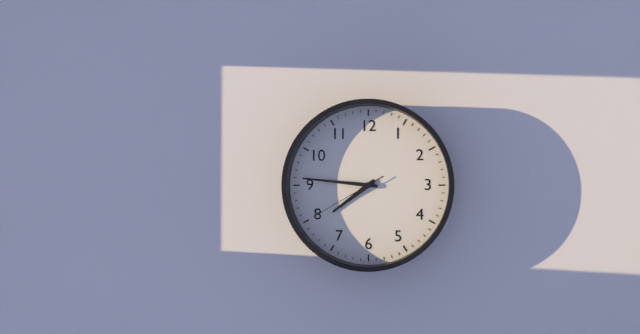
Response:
h=7 m=46 s=40
